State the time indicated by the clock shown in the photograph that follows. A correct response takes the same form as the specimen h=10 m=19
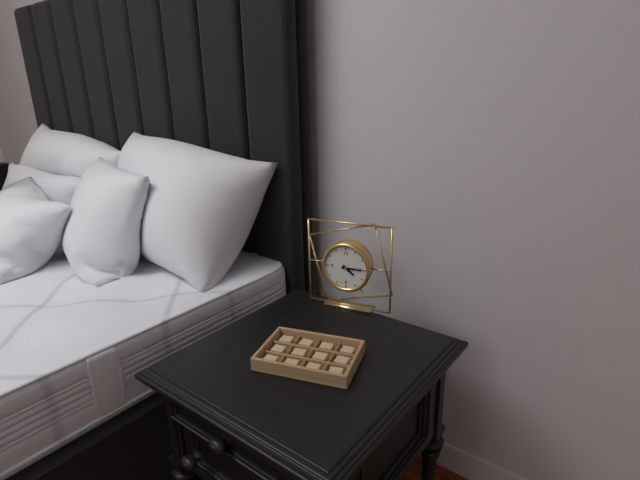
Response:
h=4 m=15
